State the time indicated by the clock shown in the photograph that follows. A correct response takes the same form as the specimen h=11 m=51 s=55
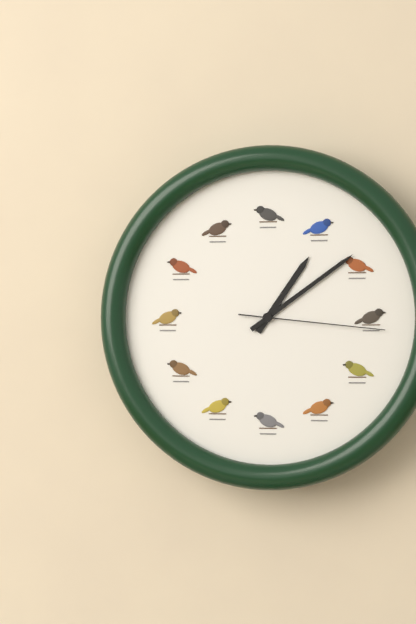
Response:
h=1 m=9 s=16
